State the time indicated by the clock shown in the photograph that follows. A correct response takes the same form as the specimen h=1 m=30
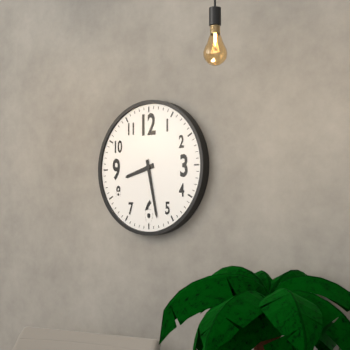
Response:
h=8 m=28
